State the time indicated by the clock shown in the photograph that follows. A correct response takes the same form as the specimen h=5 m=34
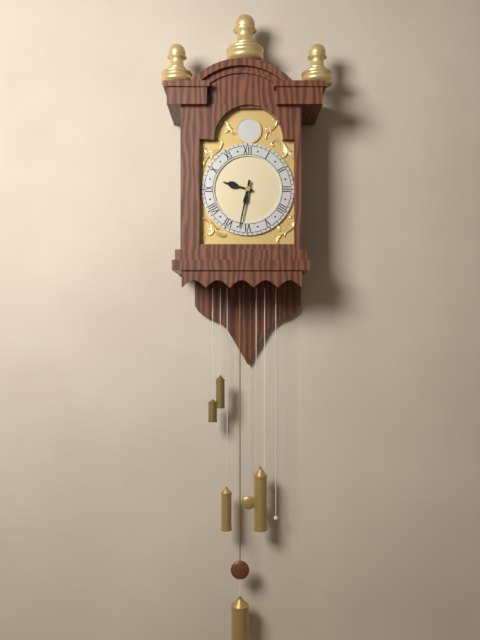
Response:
h=9 m=32
